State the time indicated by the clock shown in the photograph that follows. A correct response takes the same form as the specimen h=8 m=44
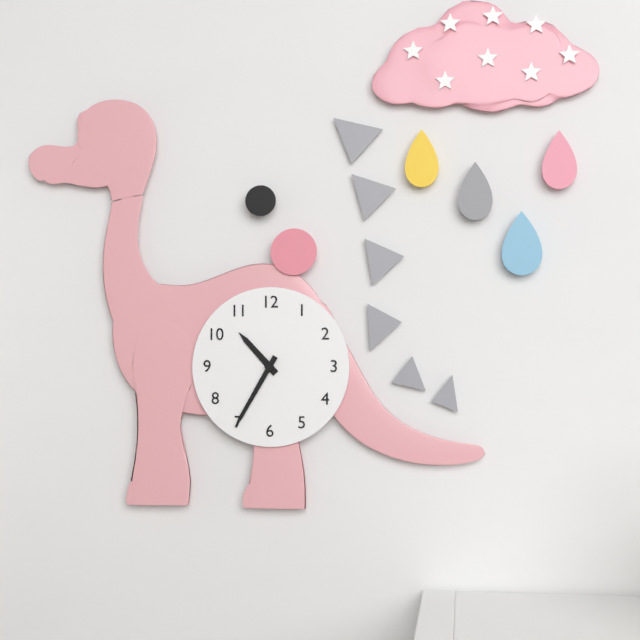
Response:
h=10 m=35
